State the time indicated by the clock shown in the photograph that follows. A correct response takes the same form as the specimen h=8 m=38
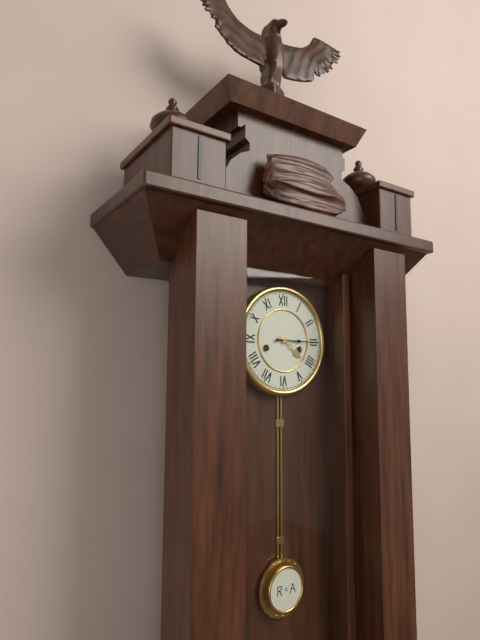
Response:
h=4 m=15
